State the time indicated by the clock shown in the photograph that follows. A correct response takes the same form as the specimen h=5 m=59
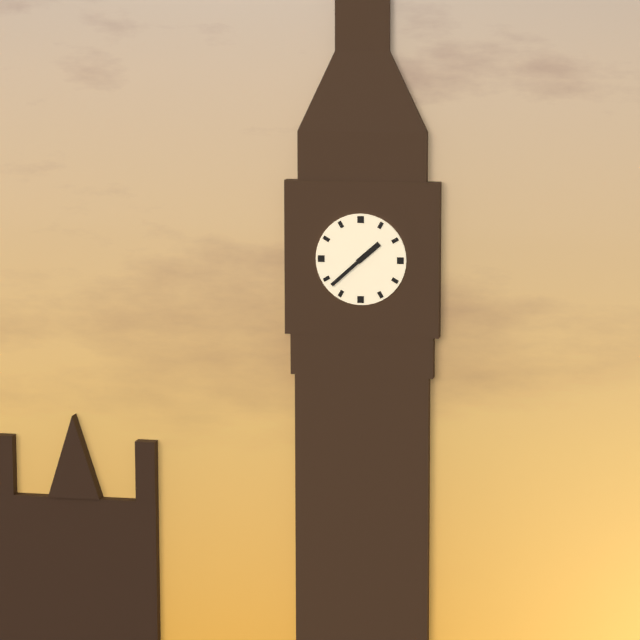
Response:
h=1 m=38
